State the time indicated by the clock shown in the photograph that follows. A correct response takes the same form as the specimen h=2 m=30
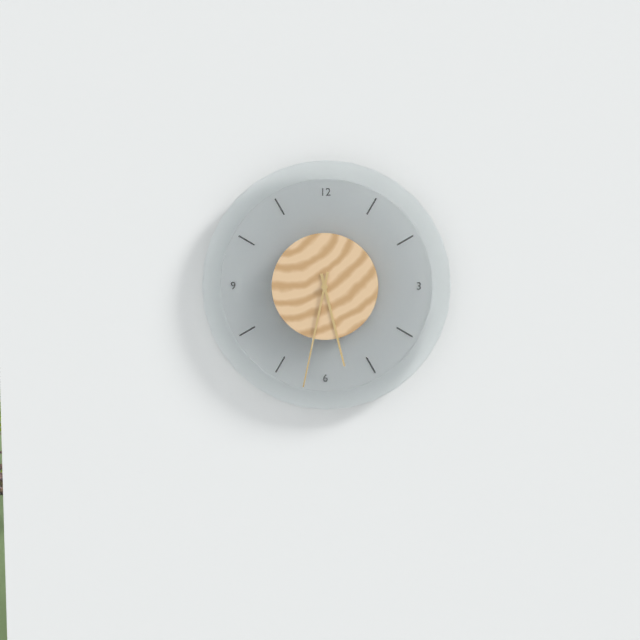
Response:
h=5 m=32
